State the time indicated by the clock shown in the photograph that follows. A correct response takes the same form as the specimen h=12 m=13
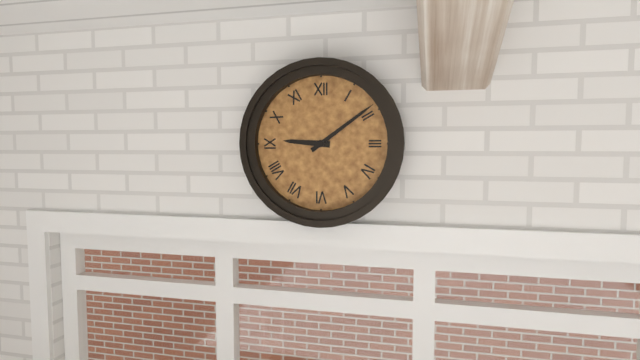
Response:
h=9 m=9
